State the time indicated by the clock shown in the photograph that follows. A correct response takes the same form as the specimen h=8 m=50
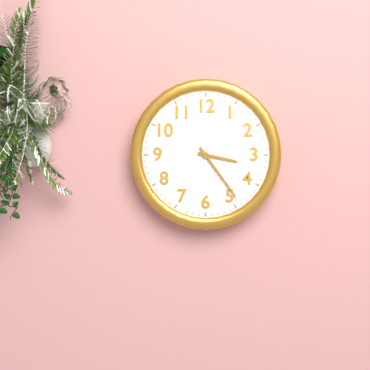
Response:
h=3 m=24
